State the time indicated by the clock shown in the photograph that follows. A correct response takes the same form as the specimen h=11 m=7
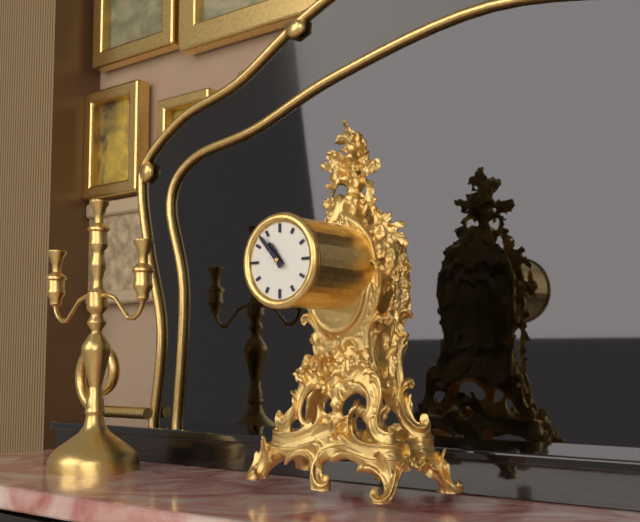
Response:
h=10 m=53
